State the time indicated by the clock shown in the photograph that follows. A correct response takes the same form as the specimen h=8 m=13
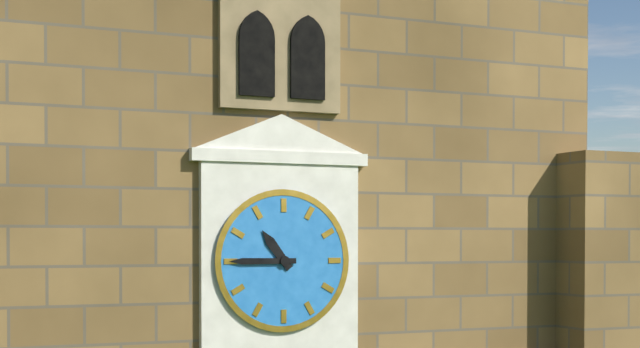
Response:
h=10 m=45
